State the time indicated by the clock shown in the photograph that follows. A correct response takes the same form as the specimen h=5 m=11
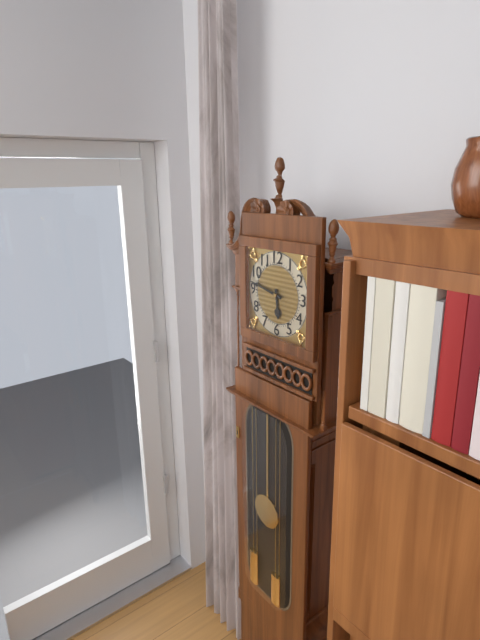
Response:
h=5 m=47
